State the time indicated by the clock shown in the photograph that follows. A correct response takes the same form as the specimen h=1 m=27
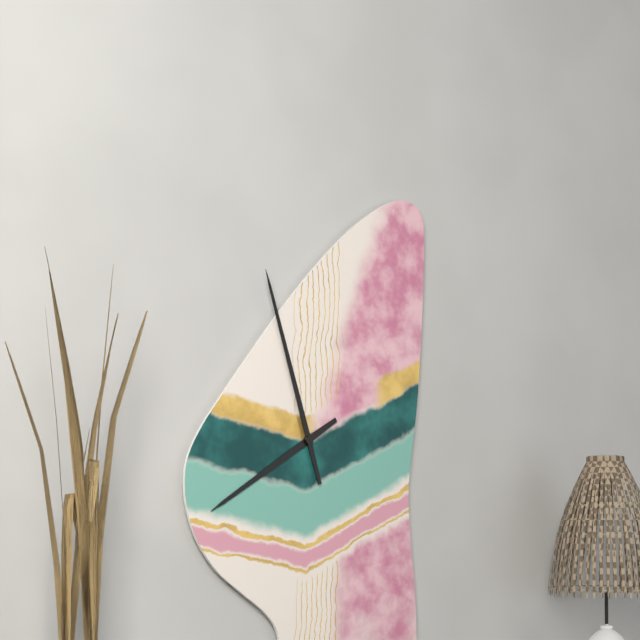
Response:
h=7 m=57
